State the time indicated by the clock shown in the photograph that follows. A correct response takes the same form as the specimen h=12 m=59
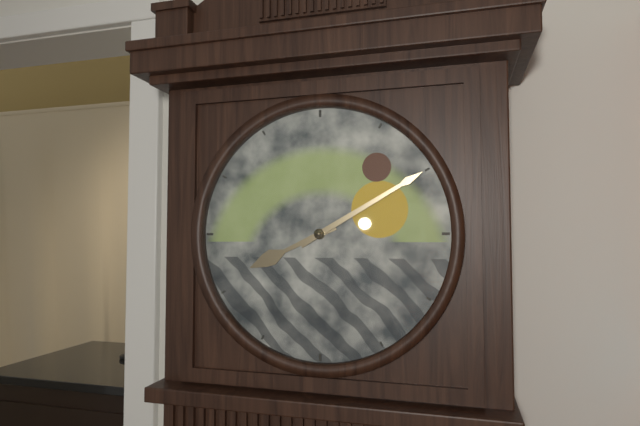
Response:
h=8 m=10
